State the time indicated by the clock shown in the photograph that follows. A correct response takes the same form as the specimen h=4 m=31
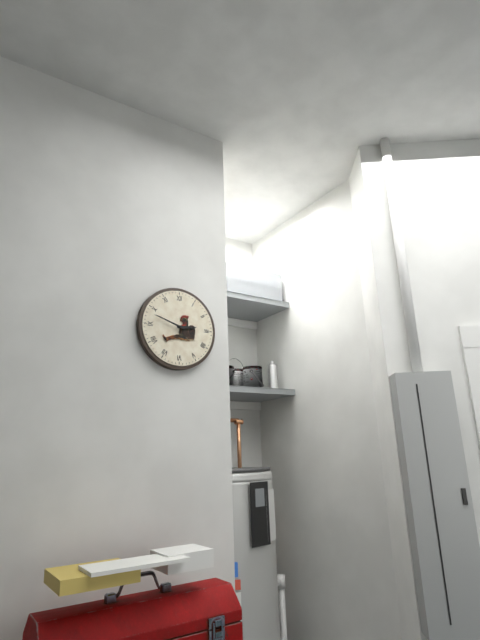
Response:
h=2 m=48
